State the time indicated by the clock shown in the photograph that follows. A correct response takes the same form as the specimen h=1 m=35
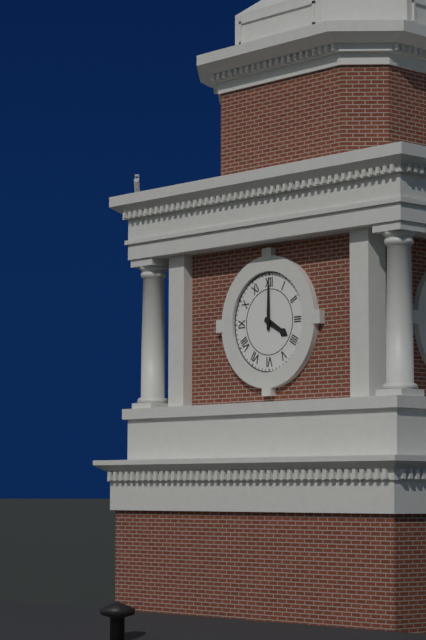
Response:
h=4 m=0
